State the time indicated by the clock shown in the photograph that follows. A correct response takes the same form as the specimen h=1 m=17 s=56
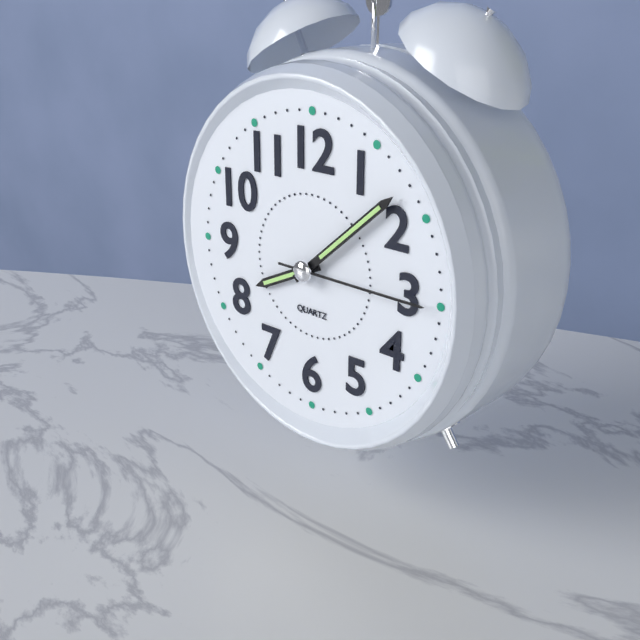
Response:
h=8 m=8 s=15
